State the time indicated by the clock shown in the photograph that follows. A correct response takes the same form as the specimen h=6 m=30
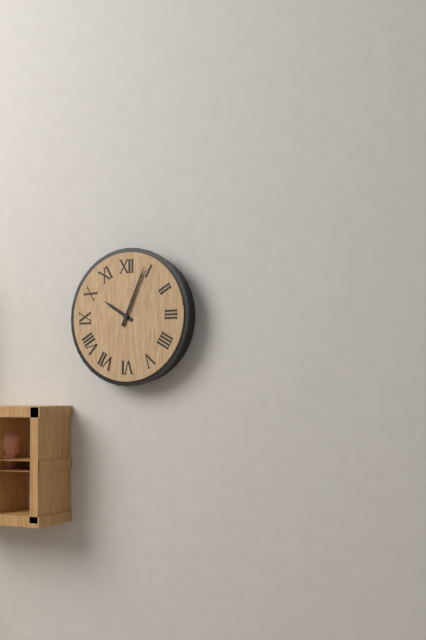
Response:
h=10 m=4
